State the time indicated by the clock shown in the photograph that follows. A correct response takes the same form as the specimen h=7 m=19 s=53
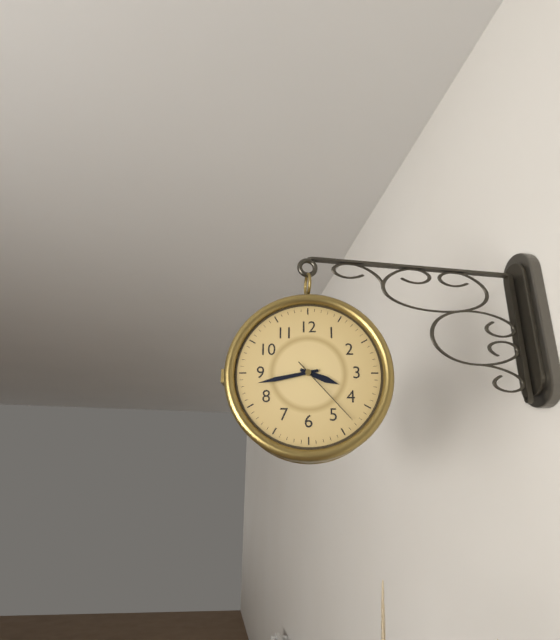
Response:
h=3 m=43 s=23
